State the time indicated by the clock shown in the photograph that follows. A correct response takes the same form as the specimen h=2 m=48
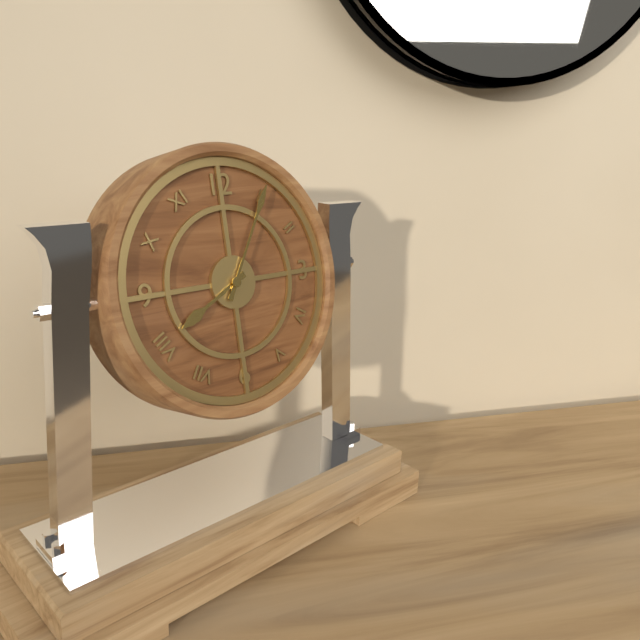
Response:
h=8 m=5
